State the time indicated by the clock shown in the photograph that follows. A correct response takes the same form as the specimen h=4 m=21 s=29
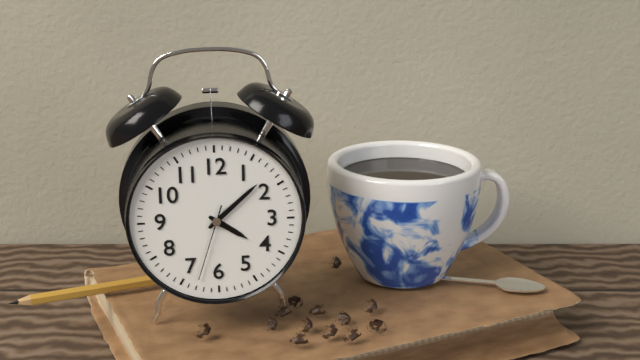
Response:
h=4 m=8 s=33
